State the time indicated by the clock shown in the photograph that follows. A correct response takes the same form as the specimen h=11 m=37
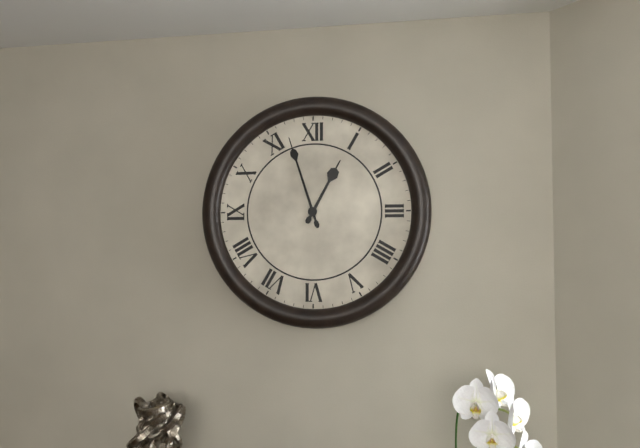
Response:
h=12 m=57
